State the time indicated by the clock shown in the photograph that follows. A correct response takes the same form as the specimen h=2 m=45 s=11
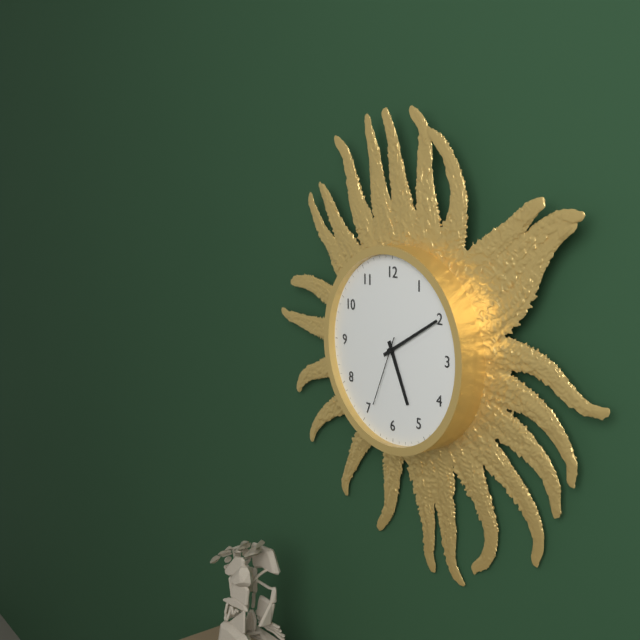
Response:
h=5 m=10 s=34
